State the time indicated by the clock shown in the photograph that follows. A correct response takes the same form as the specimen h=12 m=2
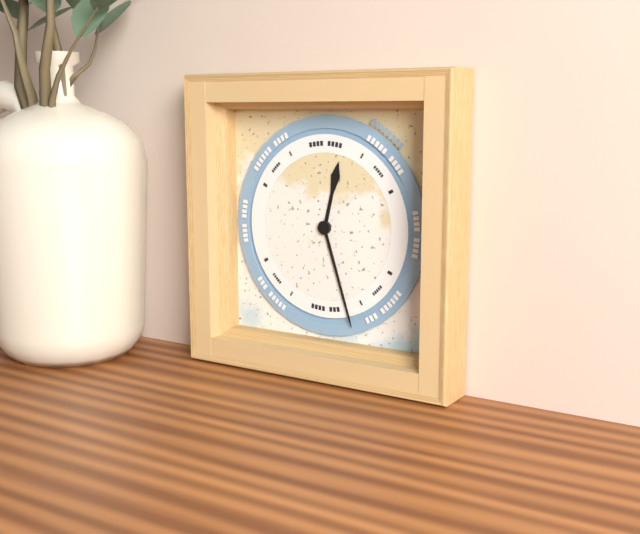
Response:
h=12 m=27
